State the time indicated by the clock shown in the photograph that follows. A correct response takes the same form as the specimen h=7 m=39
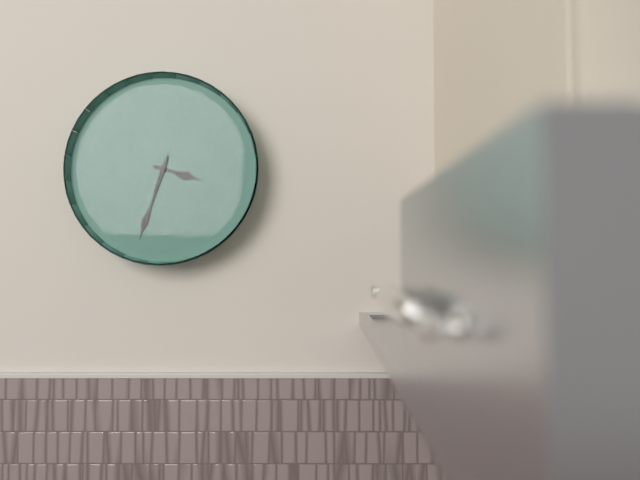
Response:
h=3 m=33
